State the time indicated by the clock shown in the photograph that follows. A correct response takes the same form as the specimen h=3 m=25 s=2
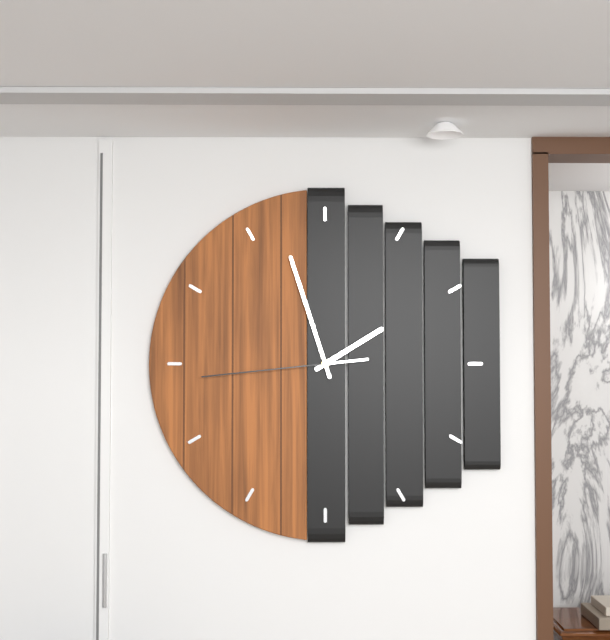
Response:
h=1 m=57 s=44
